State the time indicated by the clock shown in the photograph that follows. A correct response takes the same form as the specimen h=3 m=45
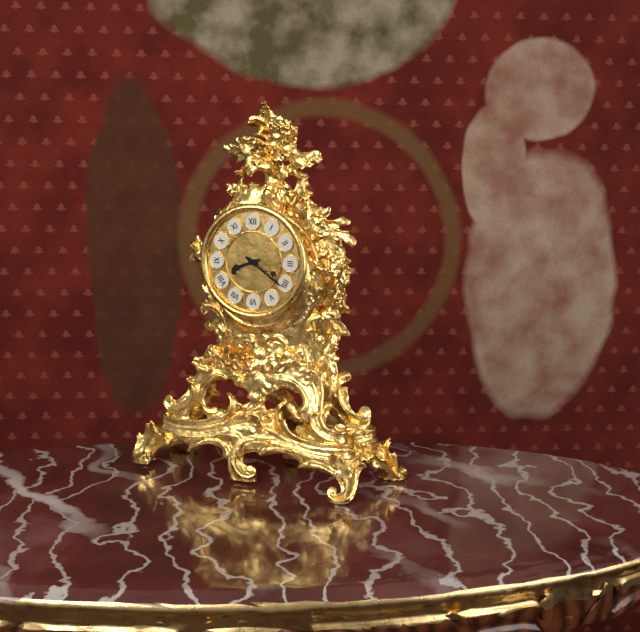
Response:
h=8 m=21
